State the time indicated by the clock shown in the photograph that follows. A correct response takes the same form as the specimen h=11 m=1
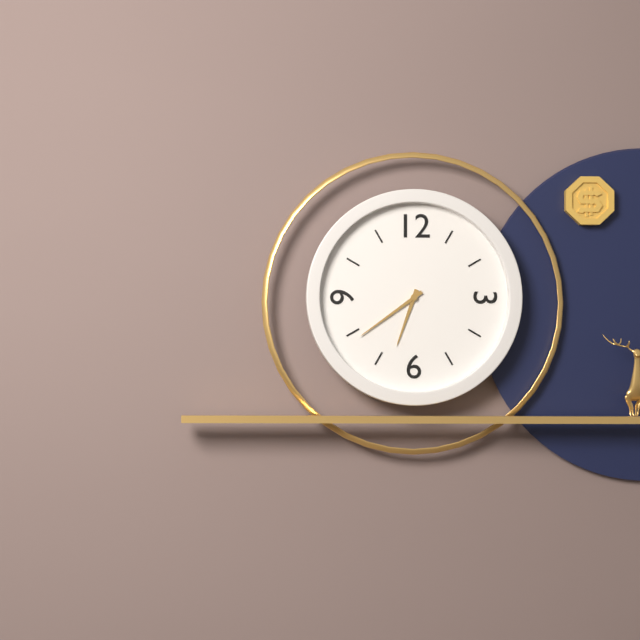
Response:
h=6 m=39
